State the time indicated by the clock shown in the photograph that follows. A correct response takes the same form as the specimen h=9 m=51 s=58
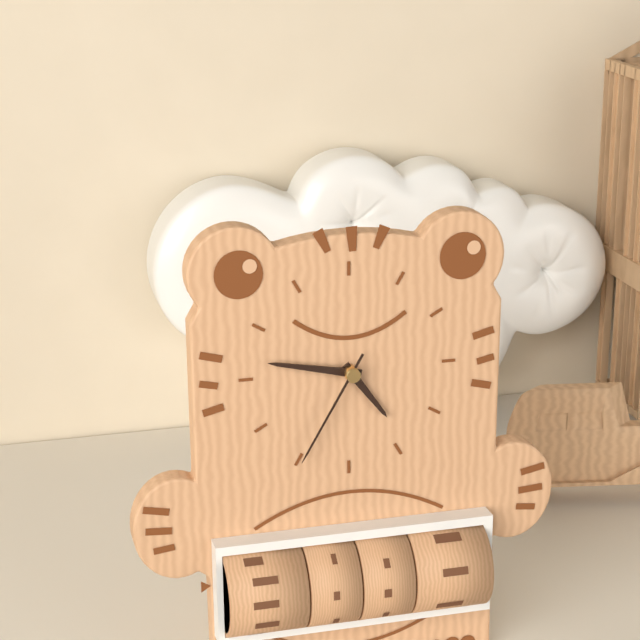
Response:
h=4 m=47 s=35
